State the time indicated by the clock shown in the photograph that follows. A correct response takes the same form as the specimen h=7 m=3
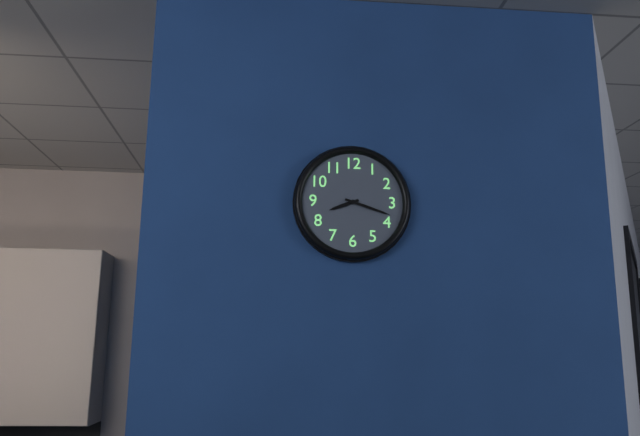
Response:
h=8 m=18
